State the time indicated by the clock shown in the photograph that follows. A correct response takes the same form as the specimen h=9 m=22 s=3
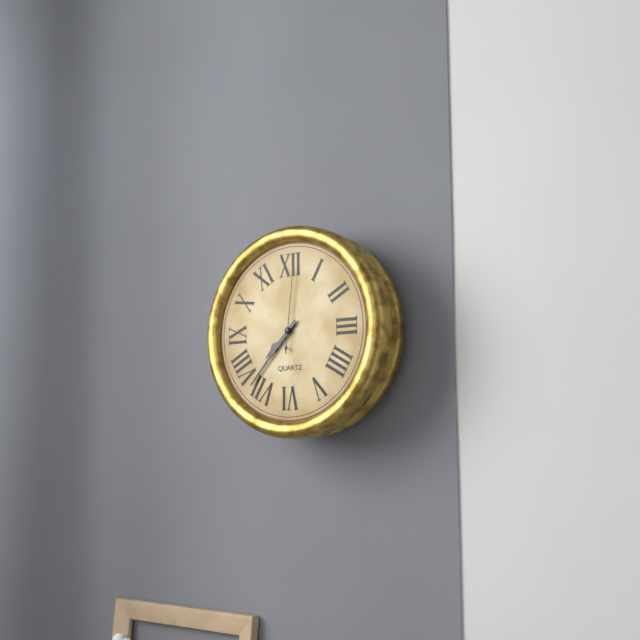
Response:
h=7 m=37 s=1
